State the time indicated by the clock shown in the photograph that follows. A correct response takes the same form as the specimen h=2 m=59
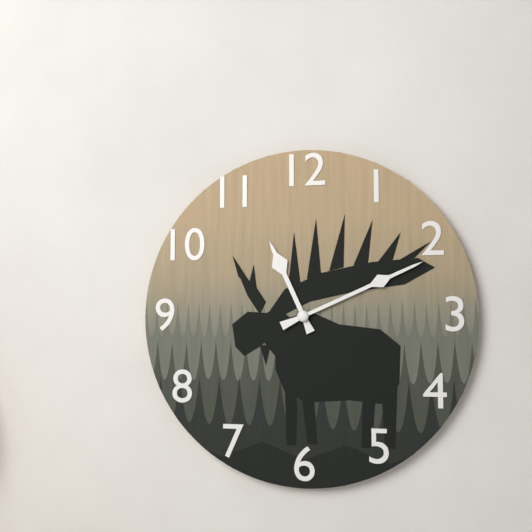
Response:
h=11 m=11
